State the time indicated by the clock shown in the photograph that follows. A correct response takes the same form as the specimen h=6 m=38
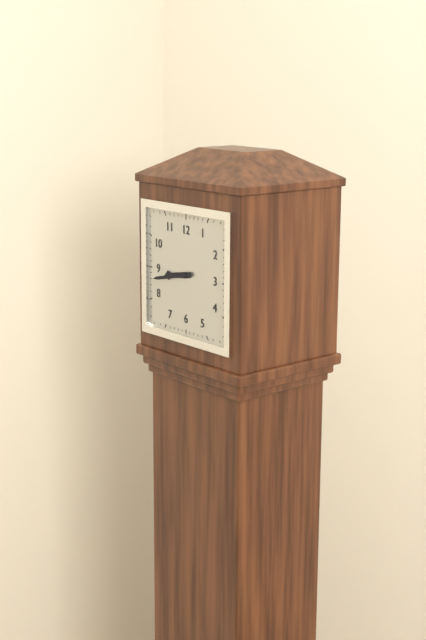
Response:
h=8 m=43
